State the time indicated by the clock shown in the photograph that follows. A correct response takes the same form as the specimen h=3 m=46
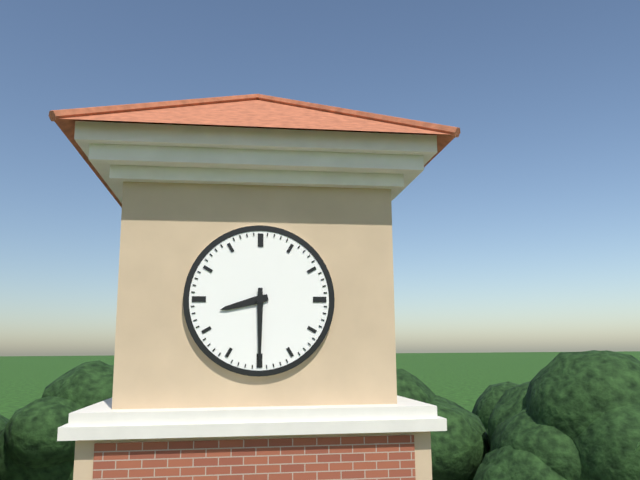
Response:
h=8 m=30
